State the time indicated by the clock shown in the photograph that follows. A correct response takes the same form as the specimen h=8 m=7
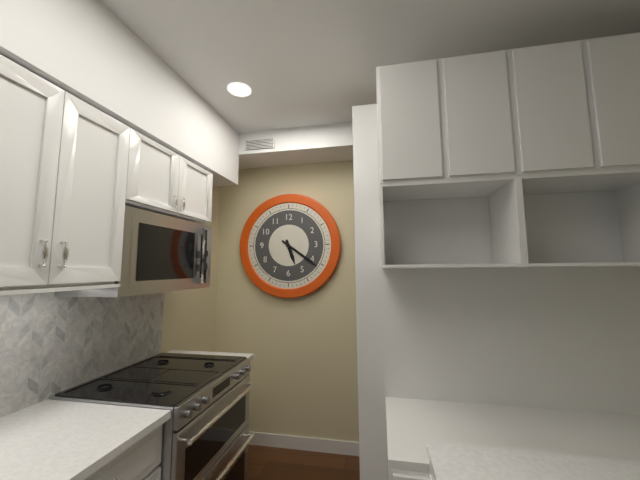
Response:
h=5 m=21
